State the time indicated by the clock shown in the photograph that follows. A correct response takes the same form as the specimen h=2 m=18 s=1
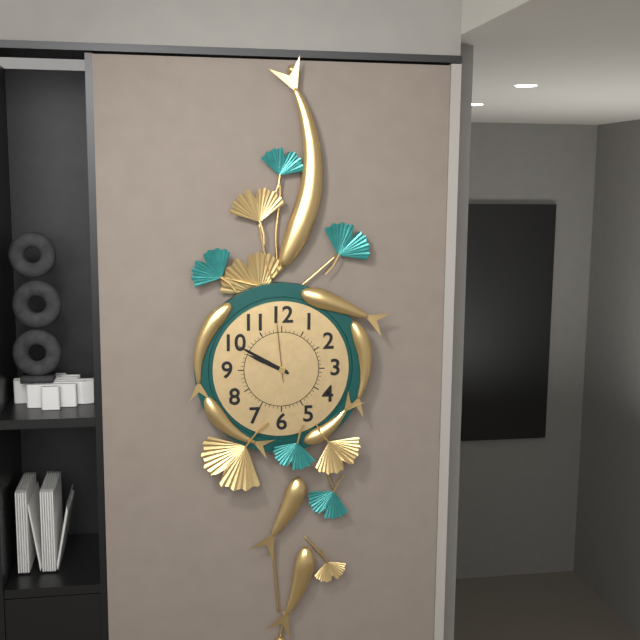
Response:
h=9 m=50 s=59
